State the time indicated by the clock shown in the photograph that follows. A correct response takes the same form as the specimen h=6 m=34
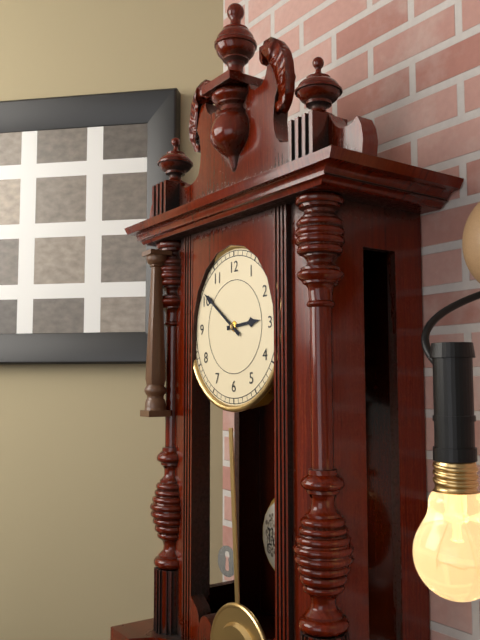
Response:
h=2 m=51
